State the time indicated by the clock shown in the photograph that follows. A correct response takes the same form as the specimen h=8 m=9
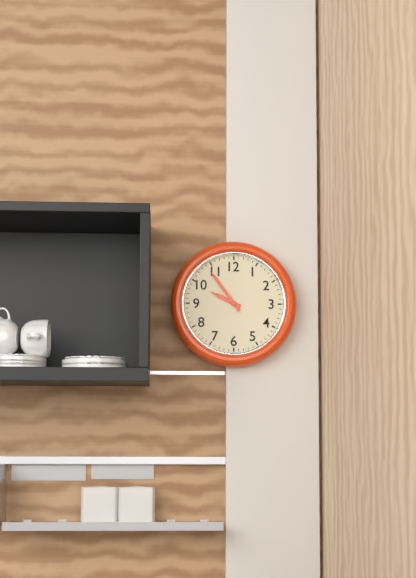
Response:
h=9 m=54
